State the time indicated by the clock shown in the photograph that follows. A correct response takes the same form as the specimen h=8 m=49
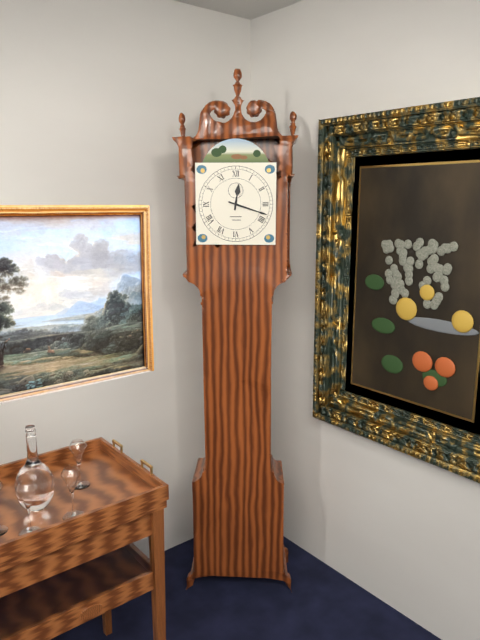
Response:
h=12 m=18
